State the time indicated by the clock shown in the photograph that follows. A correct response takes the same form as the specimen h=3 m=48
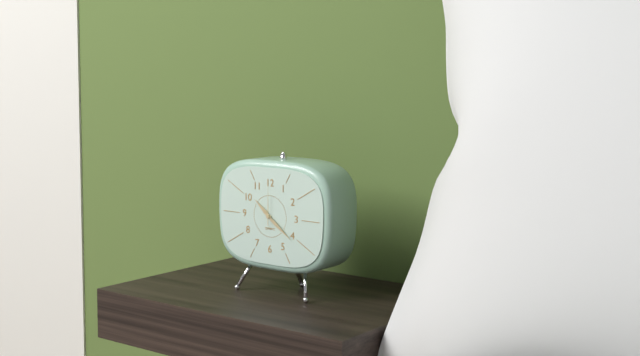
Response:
h=10 m=21
